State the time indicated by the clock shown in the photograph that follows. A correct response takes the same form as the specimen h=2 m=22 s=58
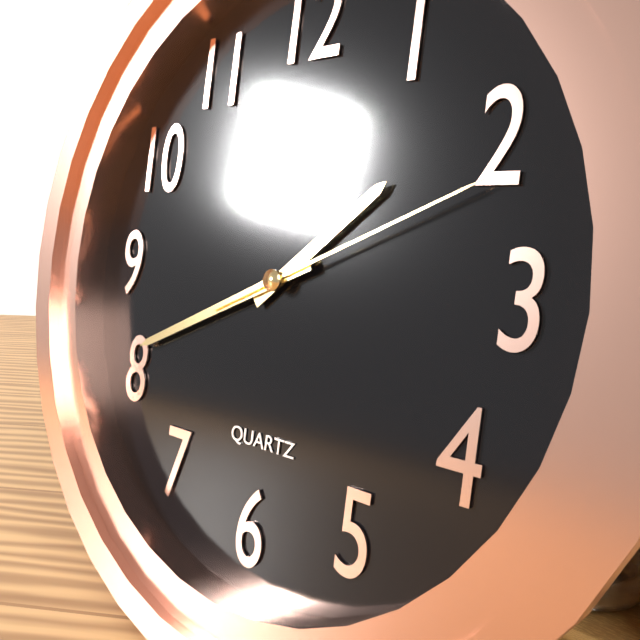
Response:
h=1 m=41 s=11
